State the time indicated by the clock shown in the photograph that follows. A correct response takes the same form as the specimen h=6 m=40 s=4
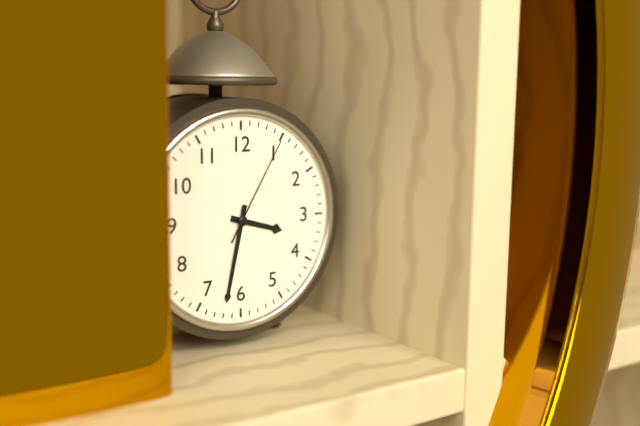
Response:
h=3 m=32 s=5
